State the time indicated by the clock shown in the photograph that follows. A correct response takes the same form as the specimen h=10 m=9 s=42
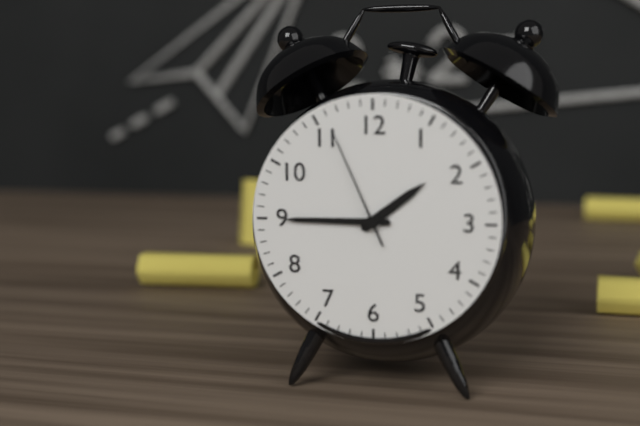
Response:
h=1 m=45 s=56
